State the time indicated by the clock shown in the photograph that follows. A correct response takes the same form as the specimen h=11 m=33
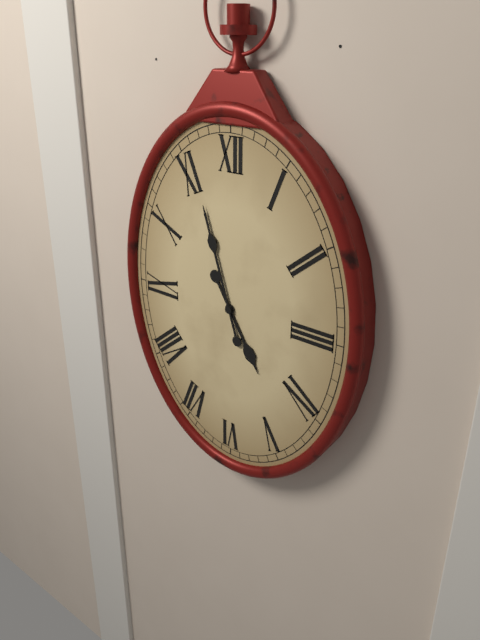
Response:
h=4 m=57
